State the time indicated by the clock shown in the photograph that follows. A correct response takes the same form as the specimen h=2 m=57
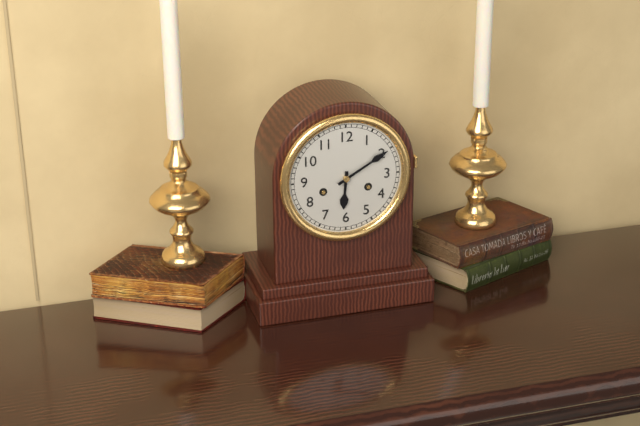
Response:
h=6 m=10
